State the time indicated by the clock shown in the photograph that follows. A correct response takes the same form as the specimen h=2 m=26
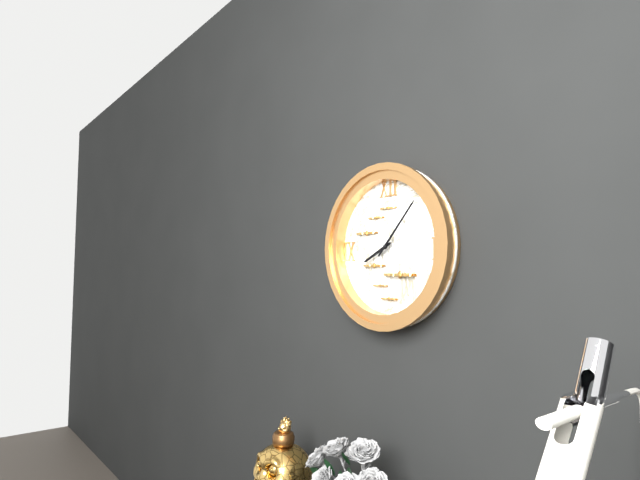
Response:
h=8 m=7
